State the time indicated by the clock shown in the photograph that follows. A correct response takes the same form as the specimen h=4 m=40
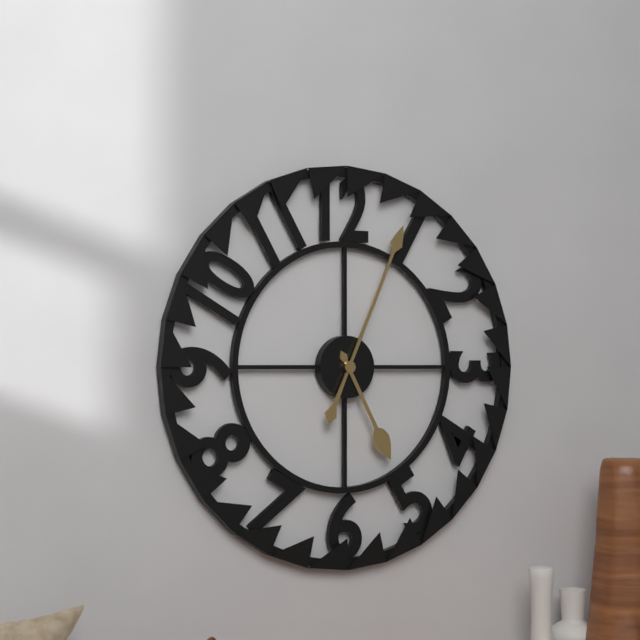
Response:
h=5 m=4
